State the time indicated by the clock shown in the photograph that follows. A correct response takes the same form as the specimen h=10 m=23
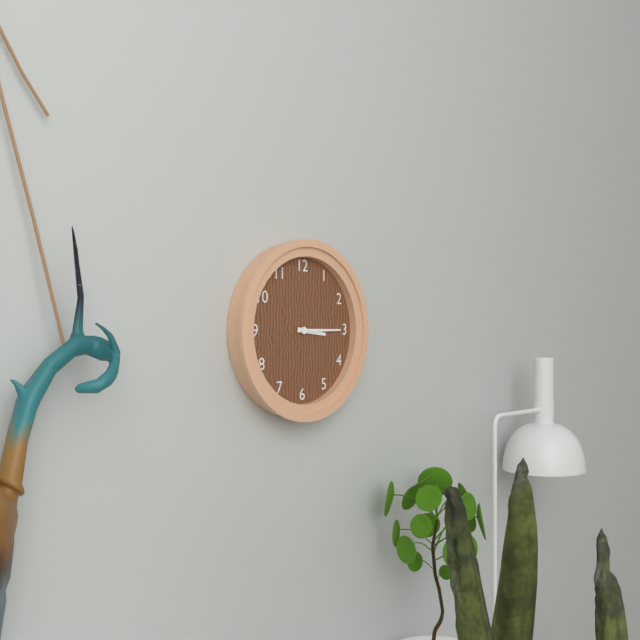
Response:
h=3 m=15
